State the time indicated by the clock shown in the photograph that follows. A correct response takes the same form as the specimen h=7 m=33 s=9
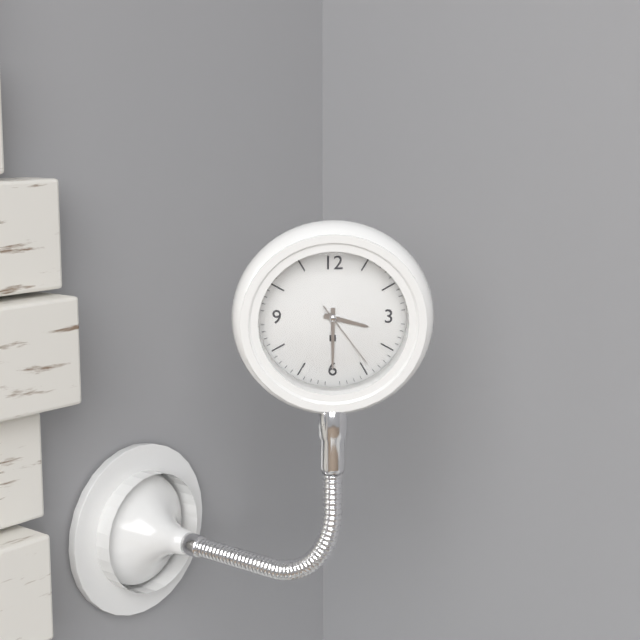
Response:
h=3 m=30 s=24
